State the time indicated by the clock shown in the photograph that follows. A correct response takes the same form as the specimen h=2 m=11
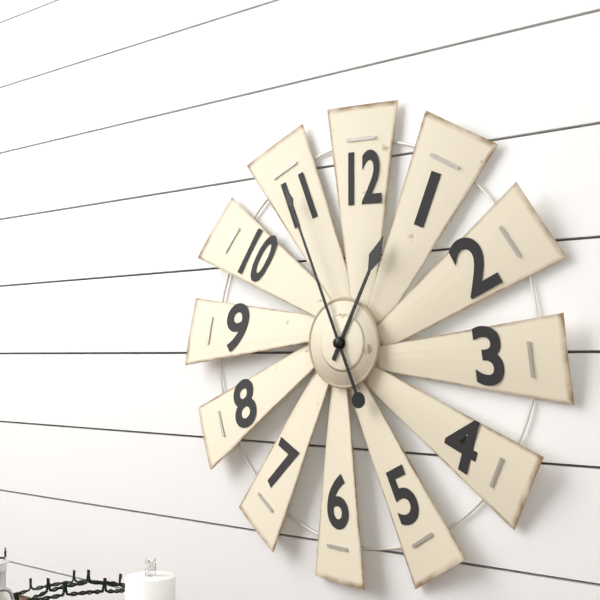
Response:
h=12 m=56
